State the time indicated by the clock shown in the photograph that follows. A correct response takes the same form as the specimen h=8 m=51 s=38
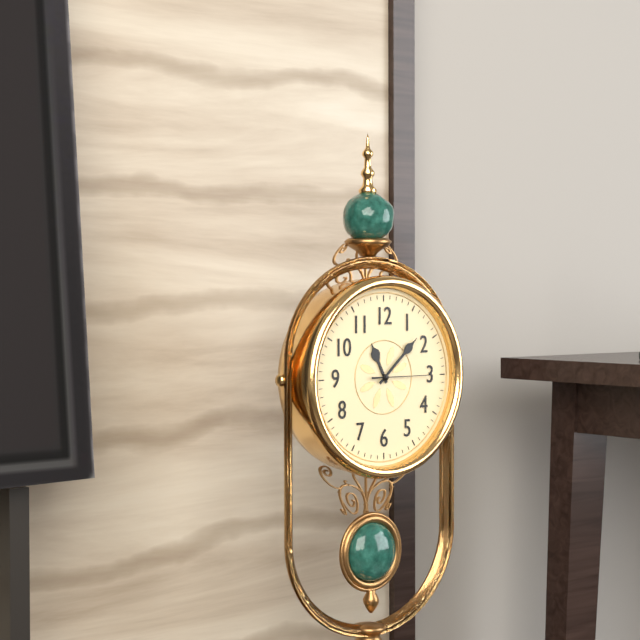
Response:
h=11 m=8 s=15
